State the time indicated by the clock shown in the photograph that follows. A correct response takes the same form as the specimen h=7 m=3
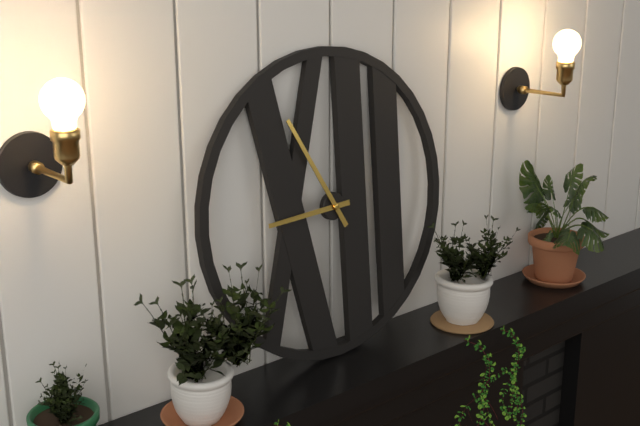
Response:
h=8 m=55
